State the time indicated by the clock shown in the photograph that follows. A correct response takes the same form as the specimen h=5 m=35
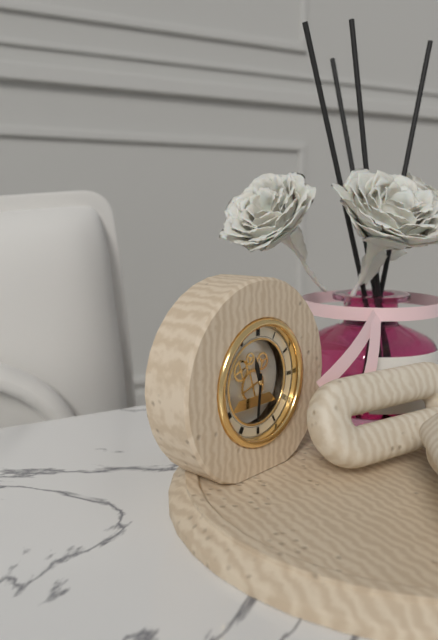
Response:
h=11 m=31
